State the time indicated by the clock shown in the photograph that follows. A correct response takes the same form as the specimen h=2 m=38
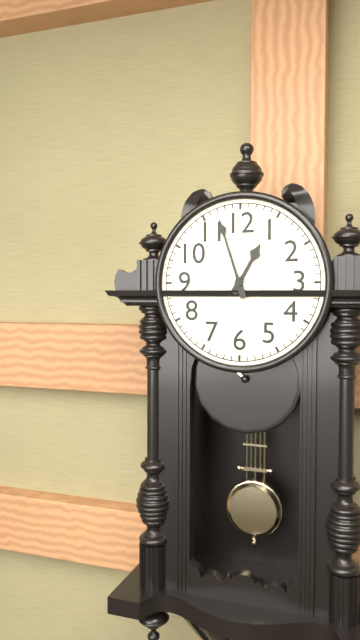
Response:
h=12 m=57
